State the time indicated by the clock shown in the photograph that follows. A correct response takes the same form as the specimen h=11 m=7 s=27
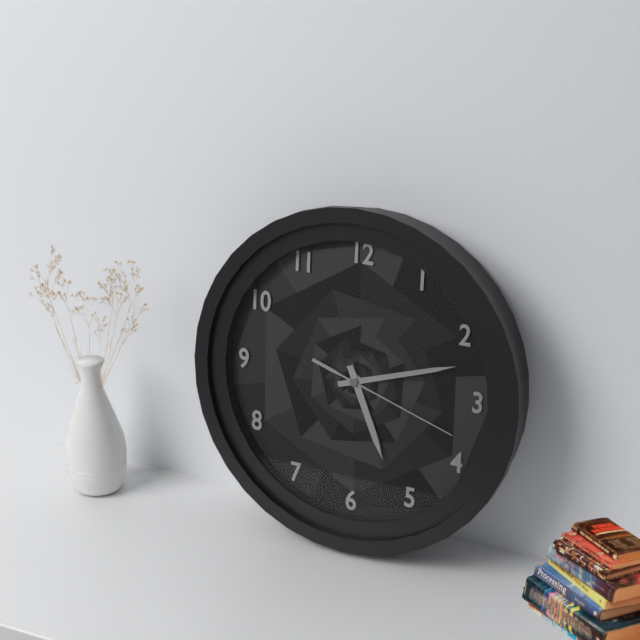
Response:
h=5 m=12 s=18
